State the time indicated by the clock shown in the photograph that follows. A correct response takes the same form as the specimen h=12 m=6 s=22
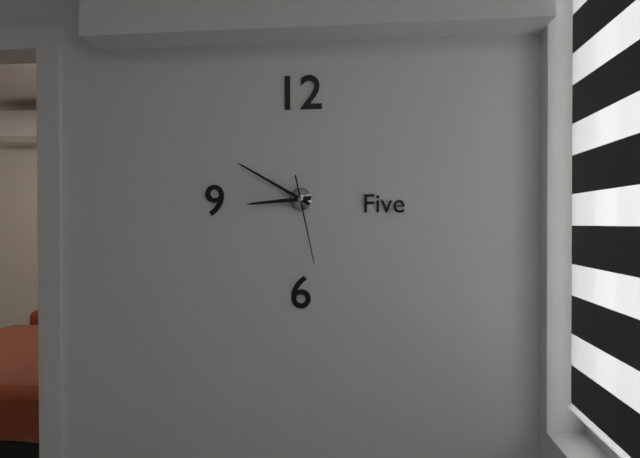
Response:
h=8 m=50 s=28
